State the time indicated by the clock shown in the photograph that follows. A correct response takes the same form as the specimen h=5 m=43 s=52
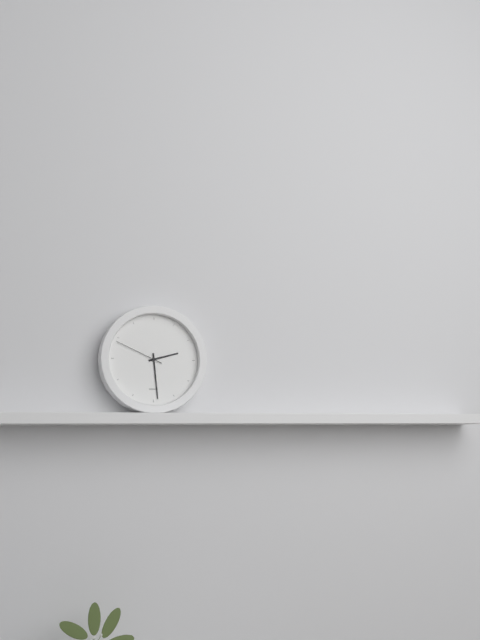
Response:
h=2 m=29 s=49
